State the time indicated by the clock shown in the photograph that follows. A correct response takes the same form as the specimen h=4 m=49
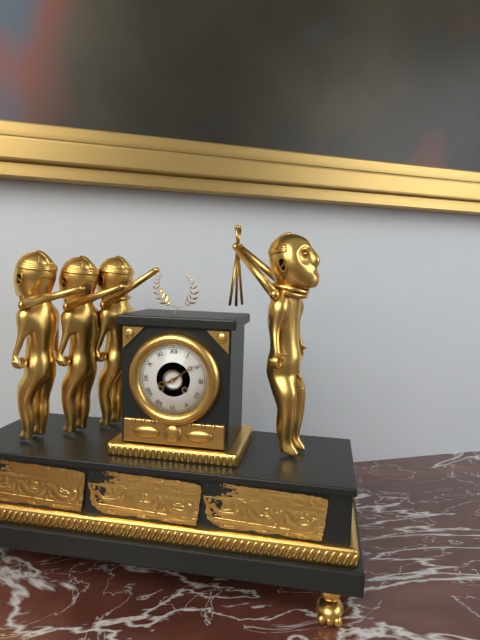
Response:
h=8 m=9
